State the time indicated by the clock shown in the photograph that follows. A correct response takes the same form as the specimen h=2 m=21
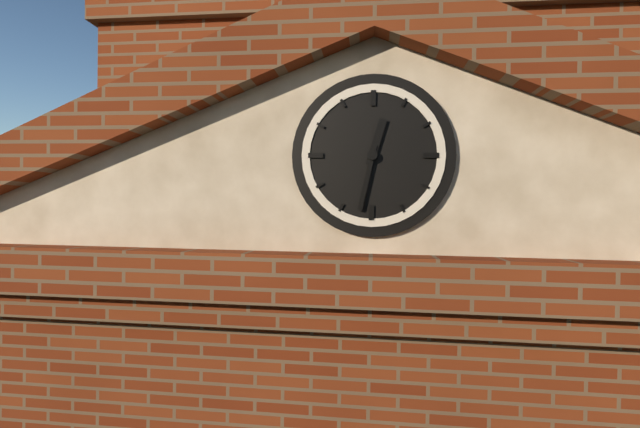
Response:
h=12 m=32
